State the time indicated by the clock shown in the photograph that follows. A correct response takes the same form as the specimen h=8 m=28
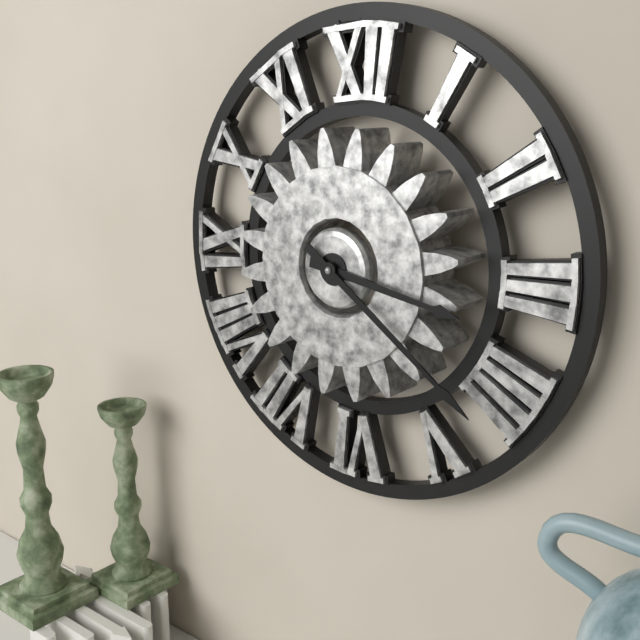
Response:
h=3 m=21
